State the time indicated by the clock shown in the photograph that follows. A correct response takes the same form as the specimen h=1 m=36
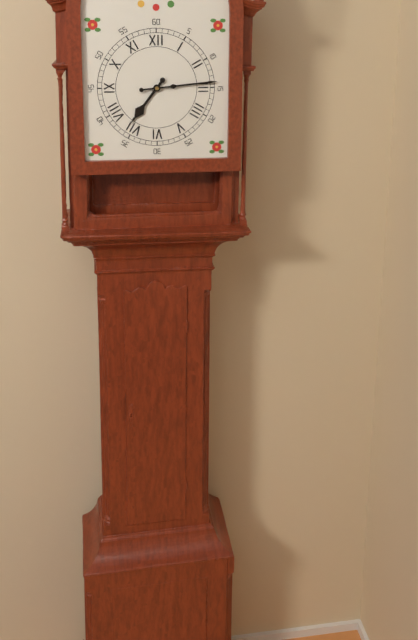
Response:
h=7 m=14
